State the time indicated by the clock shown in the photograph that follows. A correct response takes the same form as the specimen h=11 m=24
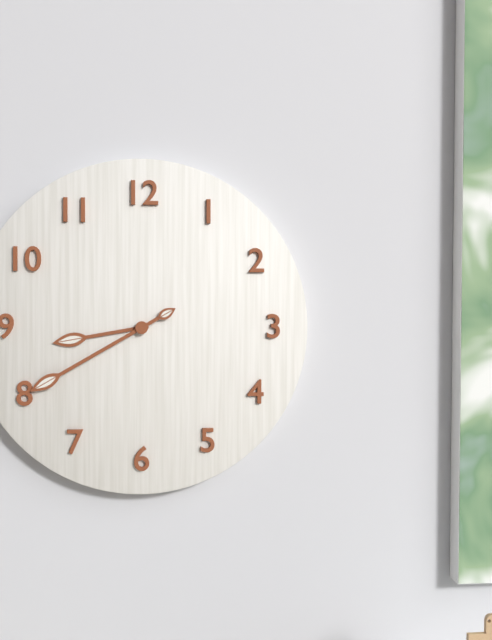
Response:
h=8 m=40
